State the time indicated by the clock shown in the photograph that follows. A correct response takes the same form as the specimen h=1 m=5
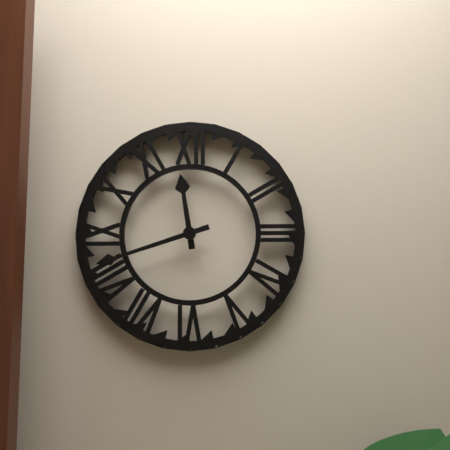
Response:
h=11 m=42
